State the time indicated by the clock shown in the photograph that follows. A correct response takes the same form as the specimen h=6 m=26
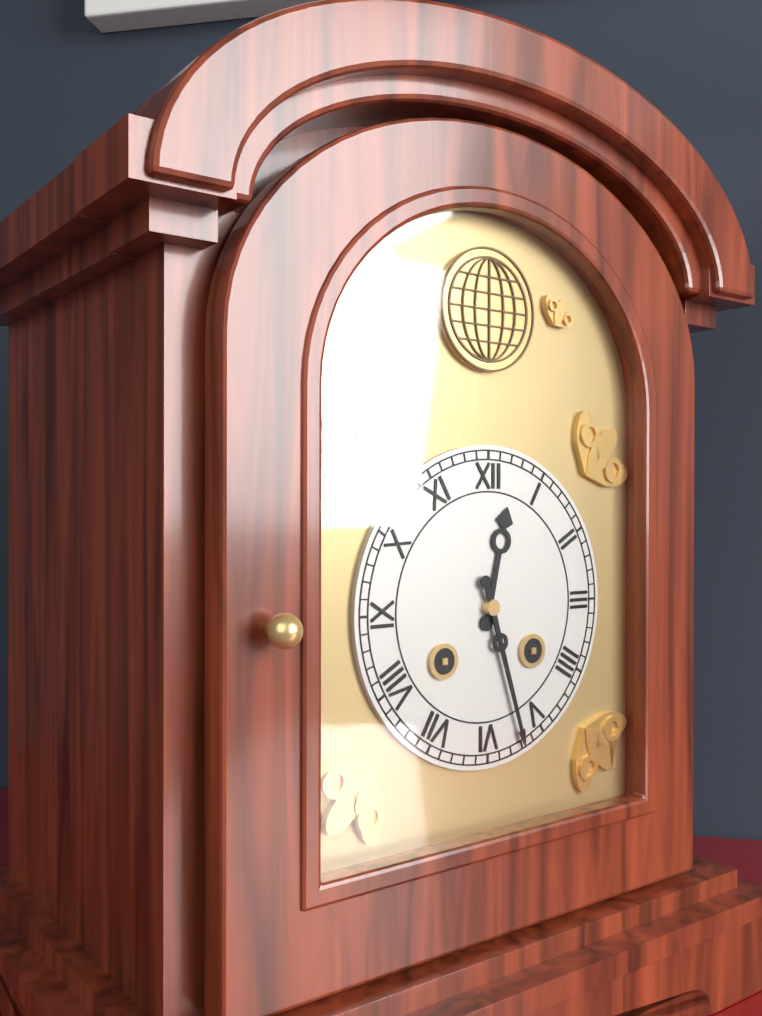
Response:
h=12 m=27
